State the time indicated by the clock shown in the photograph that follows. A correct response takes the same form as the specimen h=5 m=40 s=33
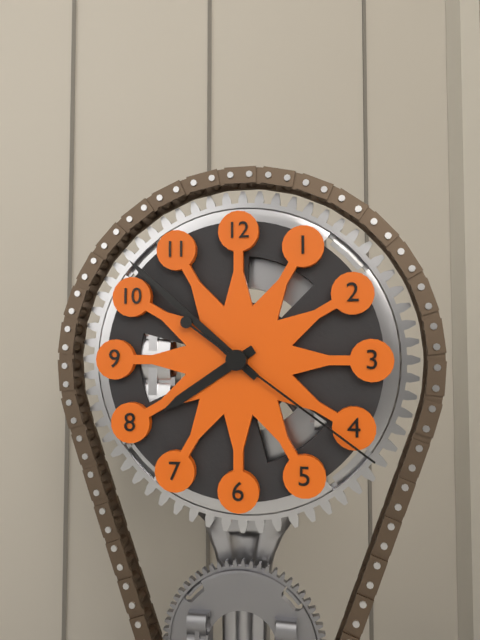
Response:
h=7 m=52 s=21
